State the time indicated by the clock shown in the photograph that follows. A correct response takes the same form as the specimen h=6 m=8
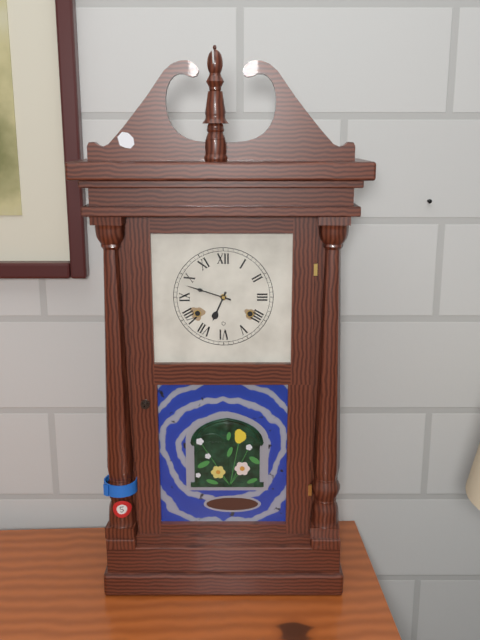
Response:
h=6 m=48
